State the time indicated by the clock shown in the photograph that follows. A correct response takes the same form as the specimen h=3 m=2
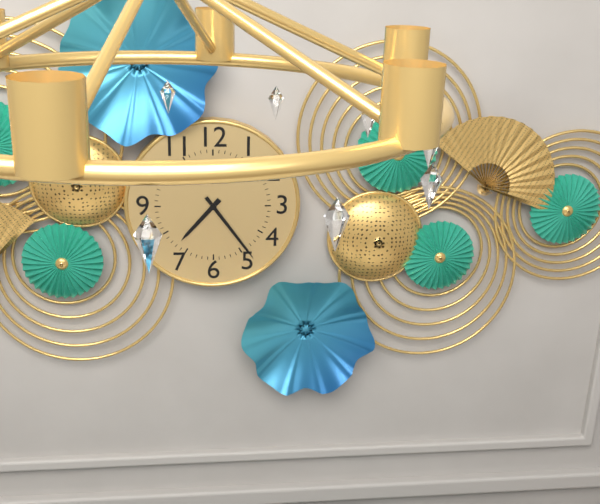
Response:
h=7 m=24
